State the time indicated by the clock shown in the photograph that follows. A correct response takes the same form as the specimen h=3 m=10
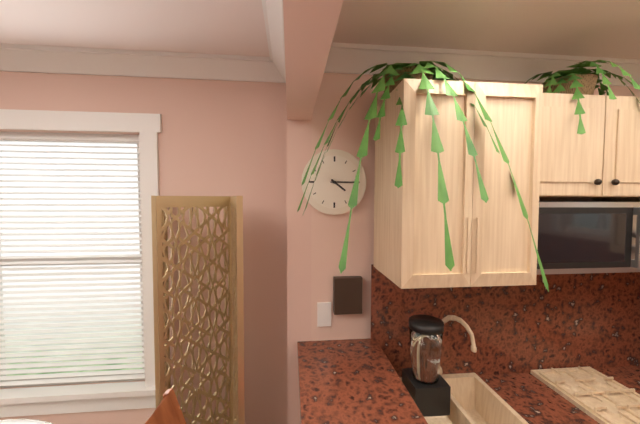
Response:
h=4 m=15
